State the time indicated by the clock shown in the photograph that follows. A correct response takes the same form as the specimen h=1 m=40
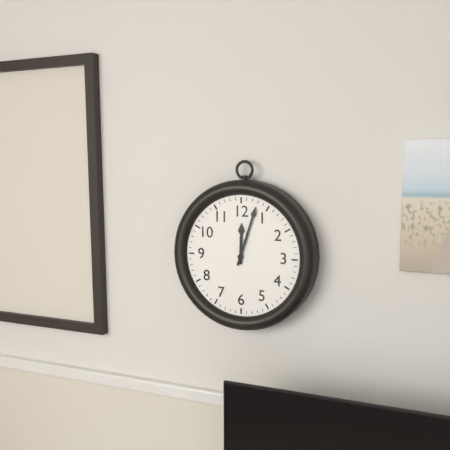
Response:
h=12 m=3
